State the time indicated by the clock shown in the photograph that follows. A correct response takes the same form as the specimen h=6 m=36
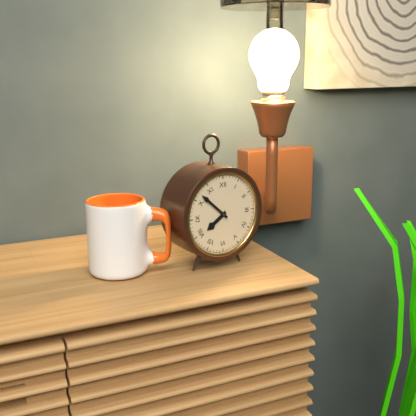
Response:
h=7 m=52
